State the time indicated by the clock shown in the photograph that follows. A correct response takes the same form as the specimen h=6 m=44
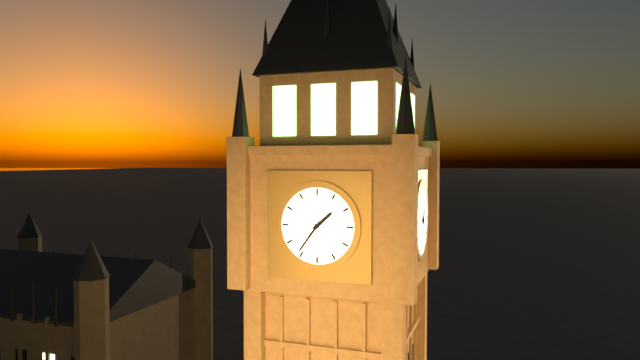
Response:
h=1 m=36
